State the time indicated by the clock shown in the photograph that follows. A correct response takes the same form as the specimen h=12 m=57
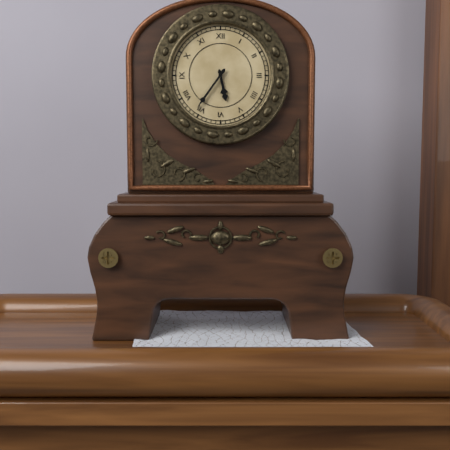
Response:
h=5 m=36
